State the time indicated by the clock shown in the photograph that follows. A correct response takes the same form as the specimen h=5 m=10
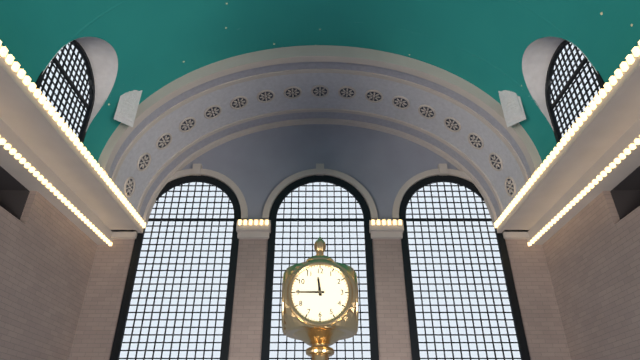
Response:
h=11 m=45
